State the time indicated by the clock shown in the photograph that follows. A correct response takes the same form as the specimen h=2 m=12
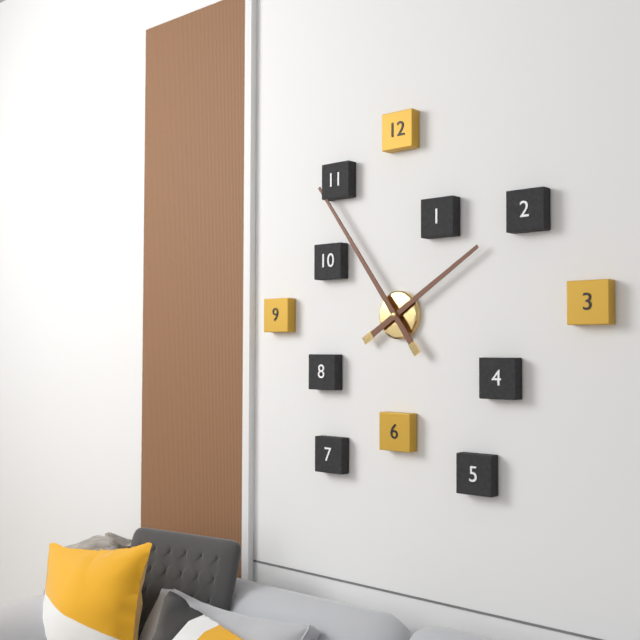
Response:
h=1 m=54
